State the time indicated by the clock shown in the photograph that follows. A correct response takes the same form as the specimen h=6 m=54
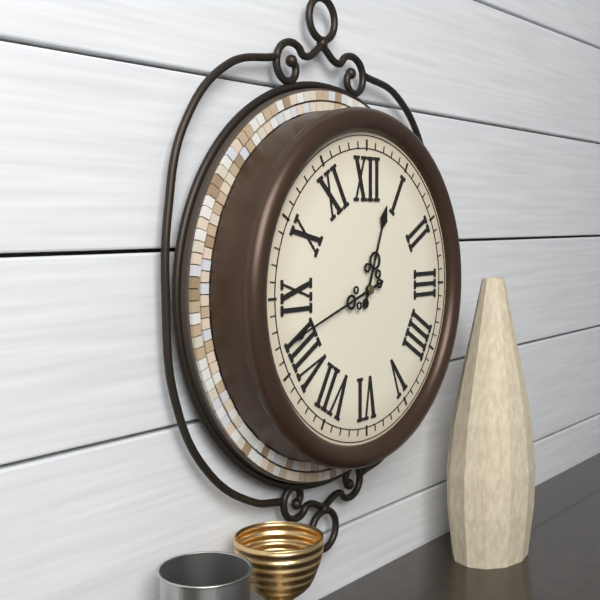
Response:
h=12 m=42
